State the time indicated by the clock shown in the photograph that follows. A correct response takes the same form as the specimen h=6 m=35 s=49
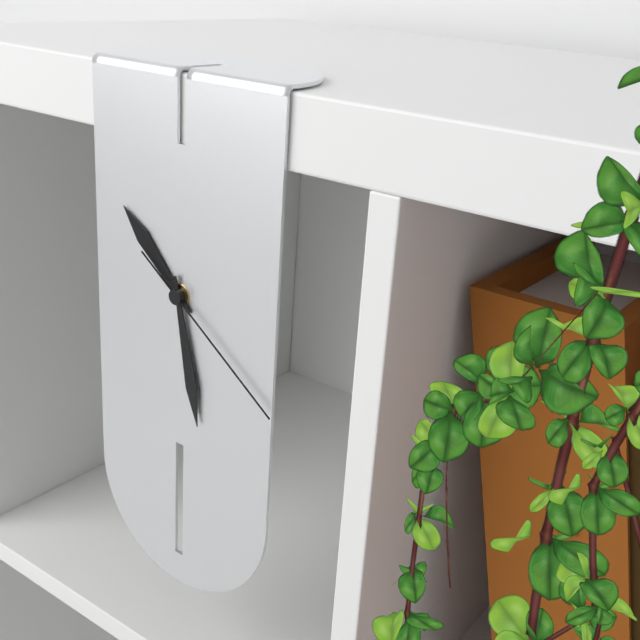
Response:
h=10 m=28 s=21
